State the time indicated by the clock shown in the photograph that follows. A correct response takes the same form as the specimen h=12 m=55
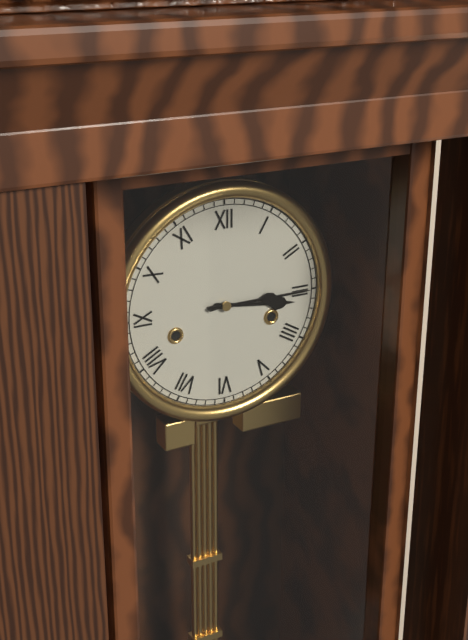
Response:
h=3 m=15
